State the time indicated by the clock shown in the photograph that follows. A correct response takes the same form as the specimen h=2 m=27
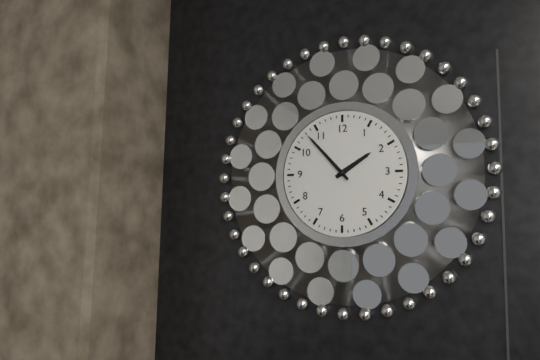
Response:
h=1 m=53
